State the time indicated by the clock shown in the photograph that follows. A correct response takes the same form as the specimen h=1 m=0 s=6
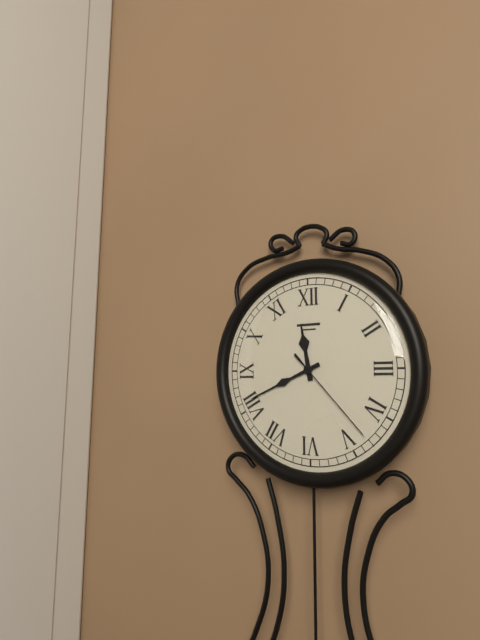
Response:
h=11 m=41 s=23
